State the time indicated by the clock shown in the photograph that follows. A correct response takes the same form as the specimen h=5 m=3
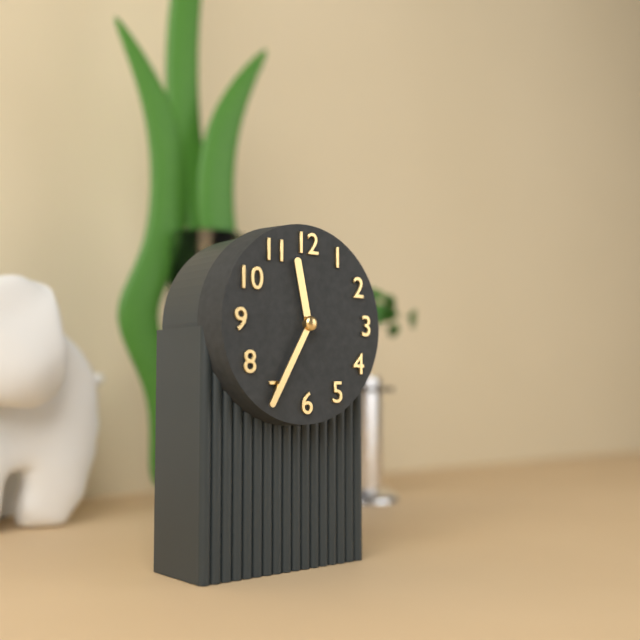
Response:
h=11 m=35
